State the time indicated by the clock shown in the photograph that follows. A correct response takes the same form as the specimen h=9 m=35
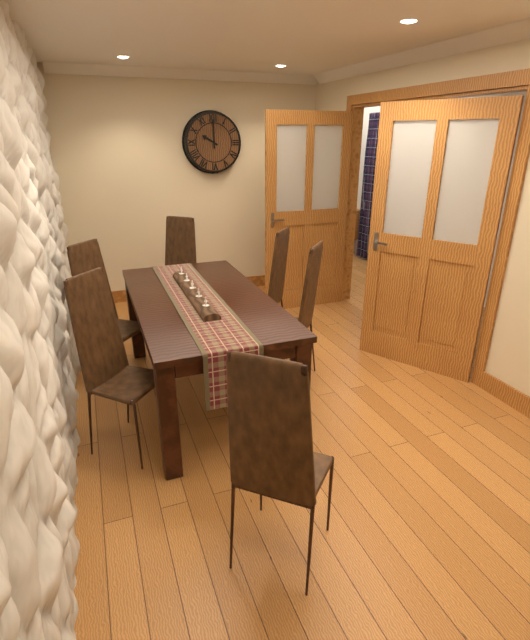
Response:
h=10 m=0
